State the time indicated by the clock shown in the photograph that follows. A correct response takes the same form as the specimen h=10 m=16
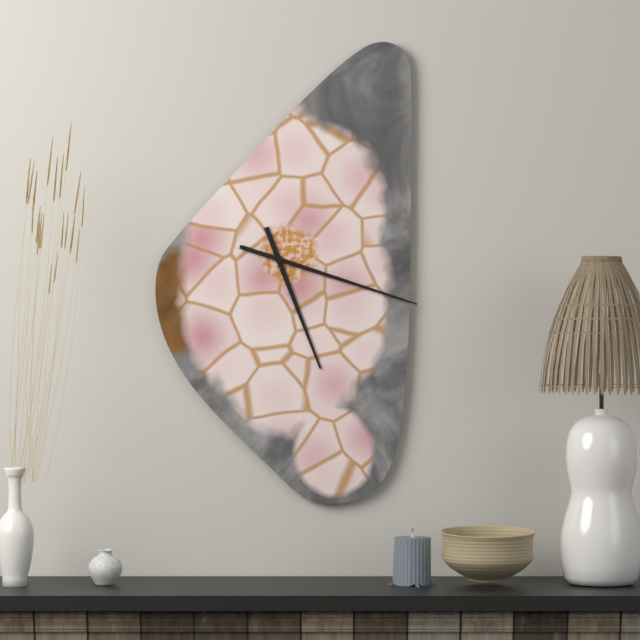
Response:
h=5 m=18
